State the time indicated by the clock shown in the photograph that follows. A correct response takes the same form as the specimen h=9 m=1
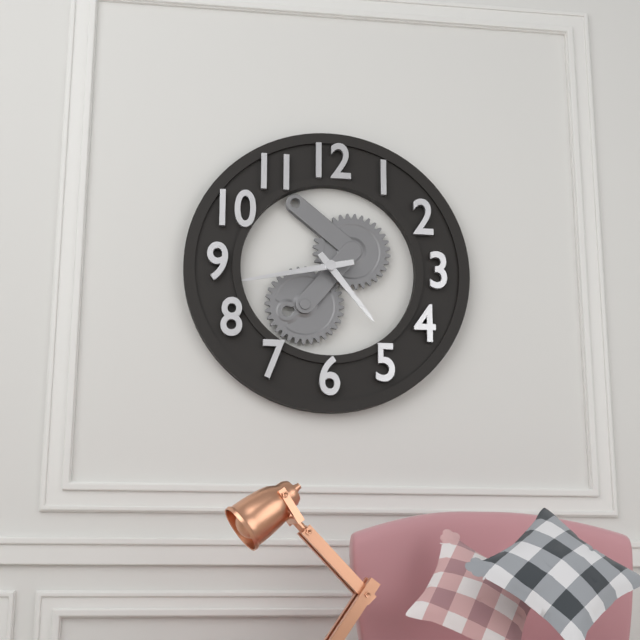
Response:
h=4 m=43
